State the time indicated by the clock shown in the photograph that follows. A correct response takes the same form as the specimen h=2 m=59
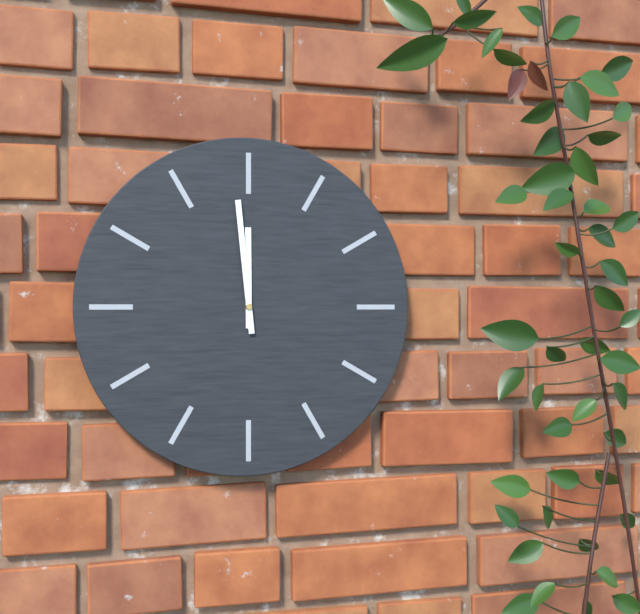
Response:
h=11 m=59
